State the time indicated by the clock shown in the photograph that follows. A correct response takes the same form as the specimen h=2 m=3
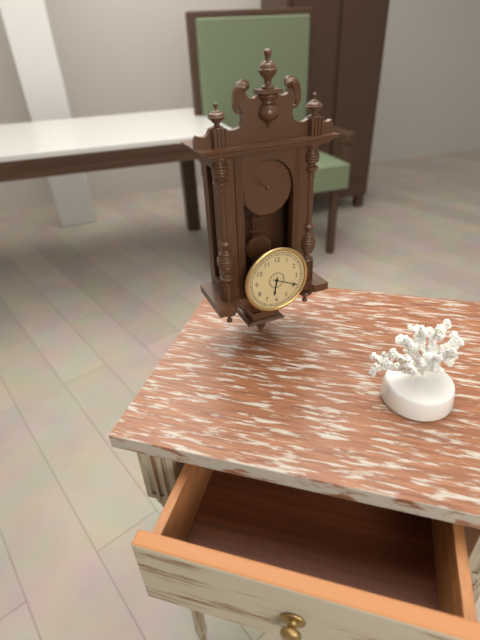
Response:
h=6 m=19
